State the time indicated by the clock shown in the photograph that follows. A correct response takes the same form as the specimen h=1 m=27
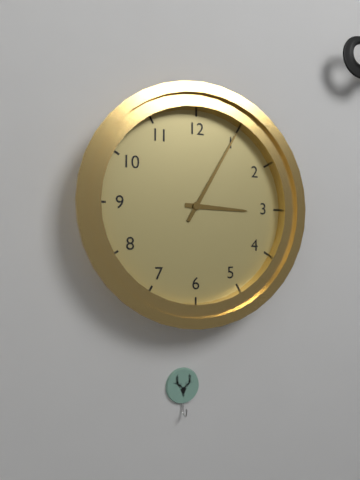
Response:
h=3 m=5
